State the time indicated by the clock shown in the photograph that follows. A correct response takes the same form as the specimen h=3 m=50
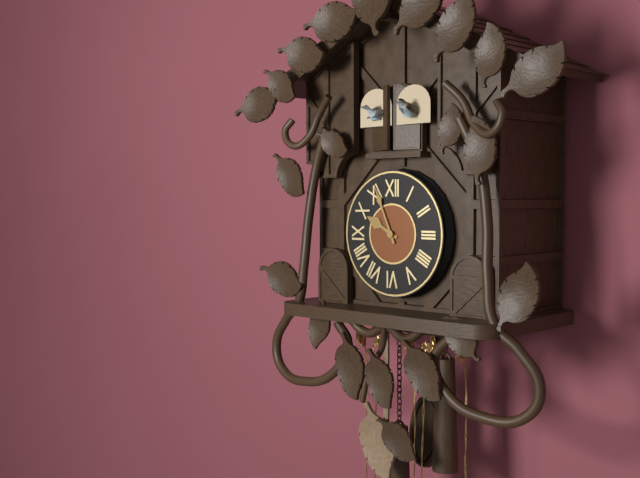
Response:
h=9 m=56
